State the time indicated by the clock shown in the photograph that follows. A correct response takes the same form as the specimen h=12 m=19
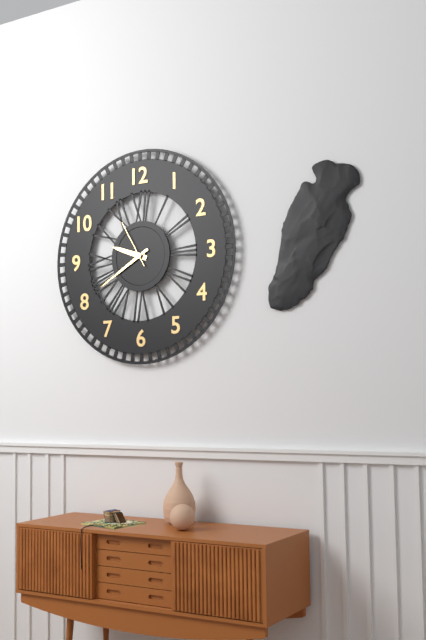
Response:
h=9 m=40
